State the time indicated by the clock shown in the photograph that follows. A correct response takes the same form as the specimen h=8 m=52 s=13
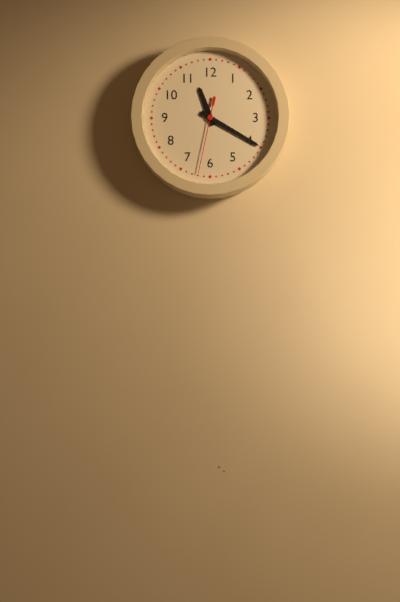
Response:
h=11 m=20 s=32
